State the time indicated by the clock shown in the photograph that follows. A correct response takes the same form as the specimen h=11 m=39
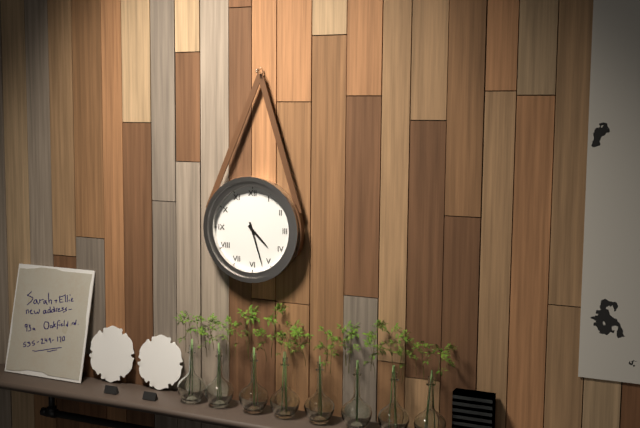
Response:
h=4 m=27
